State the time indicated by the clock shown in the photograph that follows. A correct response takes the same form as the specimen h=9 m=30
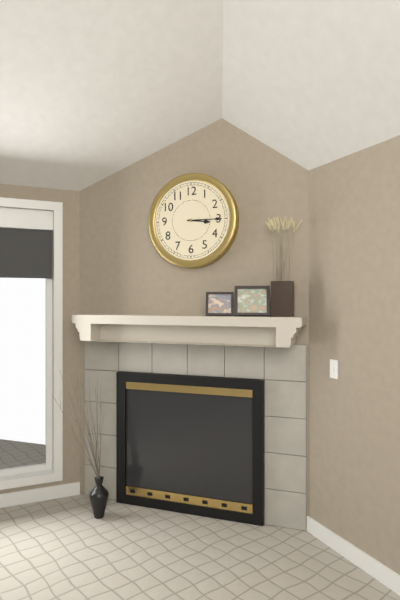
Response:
h=3 m=15
